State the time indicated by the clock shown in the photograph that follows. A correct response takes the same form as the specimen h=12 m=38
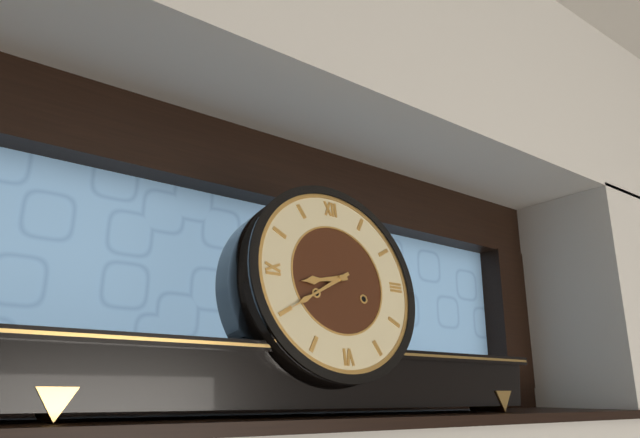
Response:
h=8 m=40
